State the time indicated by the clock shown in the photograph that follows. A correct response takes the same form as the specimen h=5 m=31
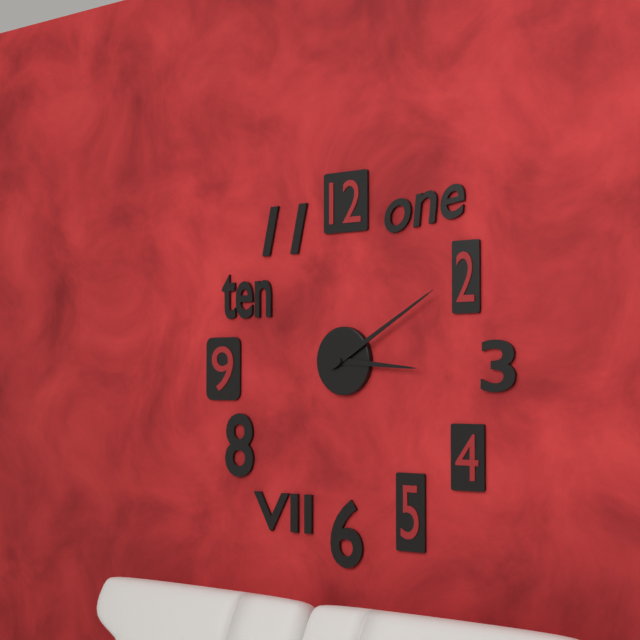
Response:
h=3 m=10
